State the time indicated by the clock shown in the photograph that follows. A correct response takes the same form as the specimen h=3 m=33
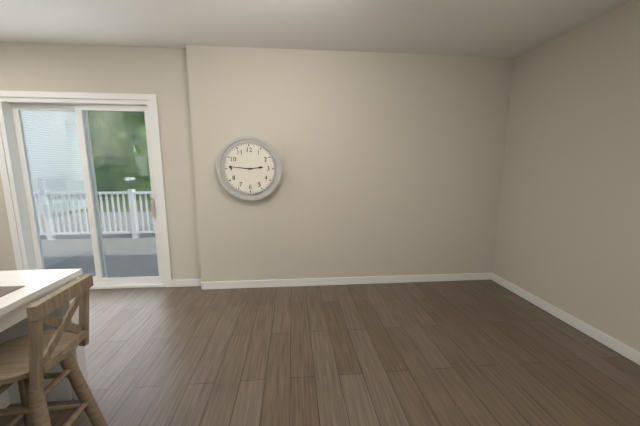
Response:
h=2 m=46
